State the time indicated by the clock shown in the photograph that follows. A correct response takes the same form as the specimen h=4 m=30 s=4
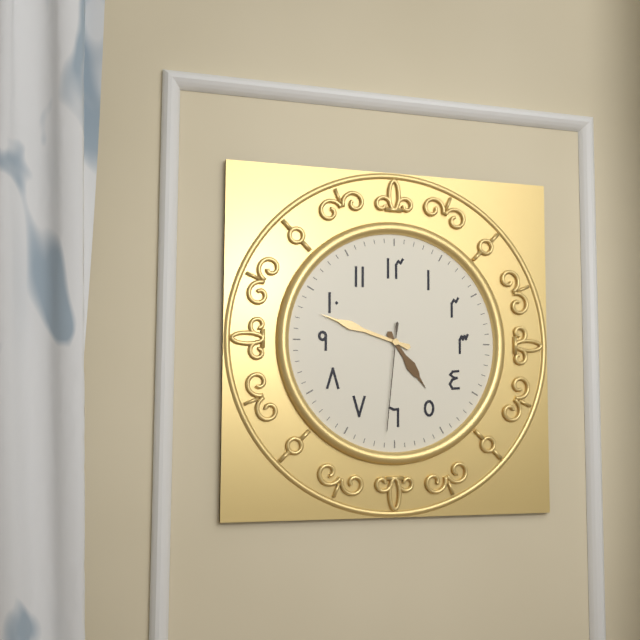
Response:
h=4 m=48 s=31
